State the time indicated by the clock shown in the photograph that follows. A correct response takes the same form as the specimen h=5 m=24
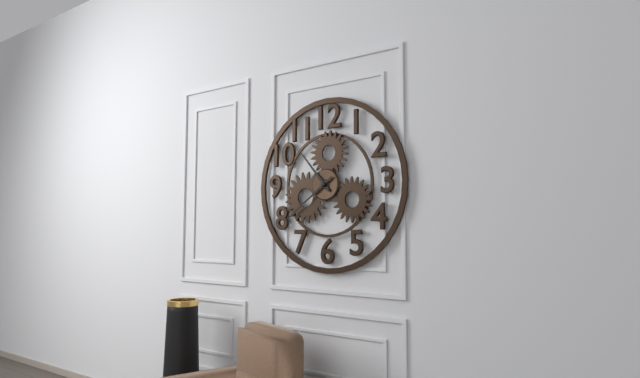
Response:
h=10 m=39
